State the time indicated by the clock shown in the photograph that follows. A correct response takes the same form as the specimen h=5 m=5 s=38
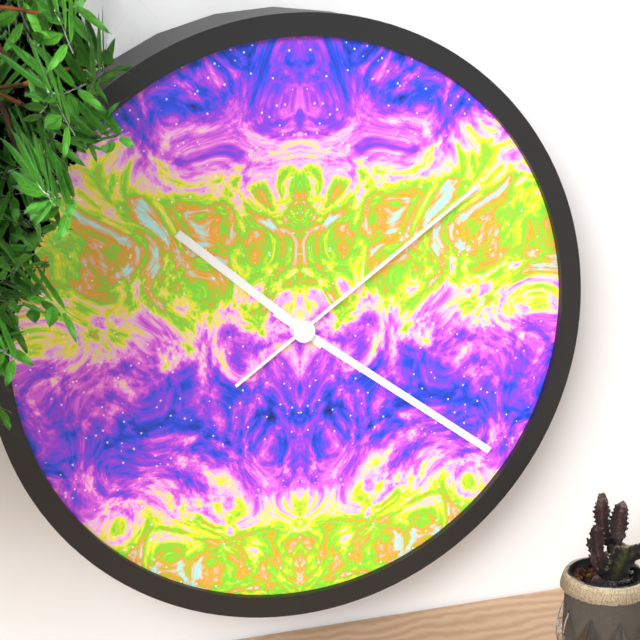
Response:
h=10 m=21 s=9
